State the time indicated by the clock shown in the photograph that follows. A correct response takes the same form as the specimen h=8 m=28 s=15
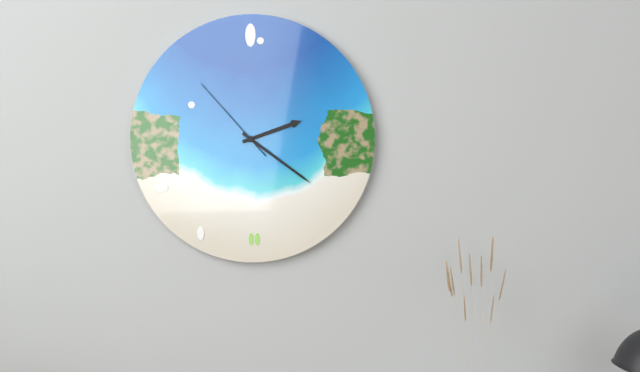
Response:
h=2 m=21 s=53
